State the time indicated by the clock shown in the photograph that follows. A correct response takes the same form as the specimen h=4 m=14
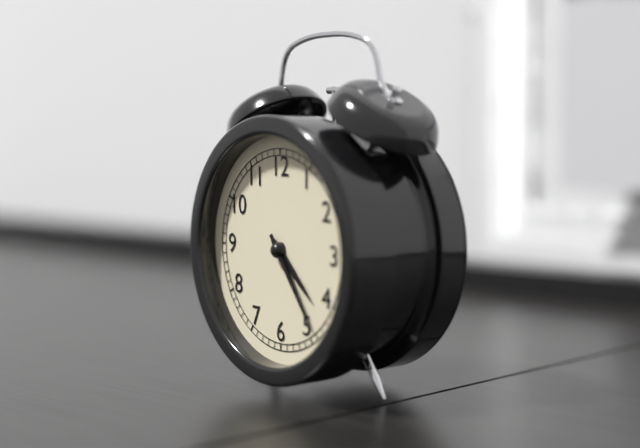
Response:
h=4 m=24
